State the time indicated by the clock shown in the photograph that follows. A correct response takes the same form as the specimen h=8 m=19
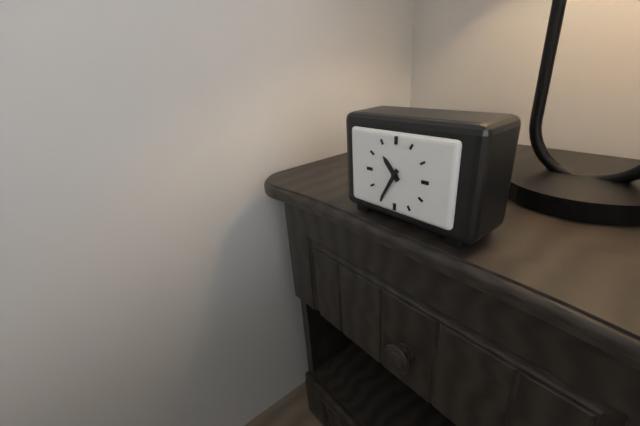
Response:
h=10 m=35
